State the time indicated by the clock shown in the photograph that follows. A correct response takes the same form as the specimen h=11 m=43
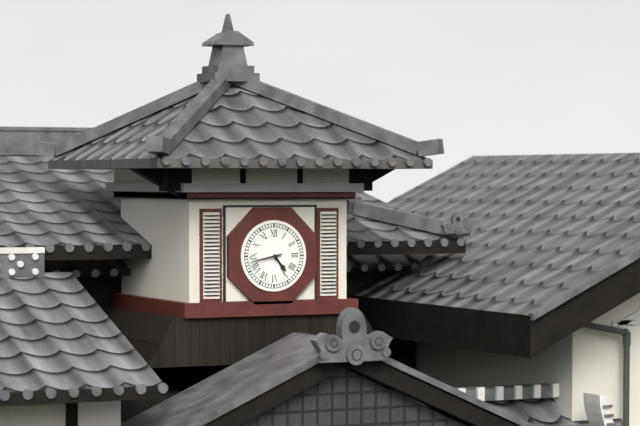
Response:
h=4 m=43
